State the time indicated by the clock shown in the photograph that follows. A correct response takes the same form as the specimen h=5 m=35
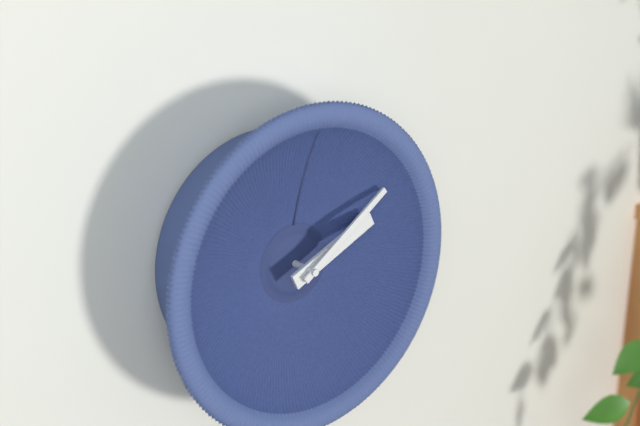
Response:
h=2 m=9
